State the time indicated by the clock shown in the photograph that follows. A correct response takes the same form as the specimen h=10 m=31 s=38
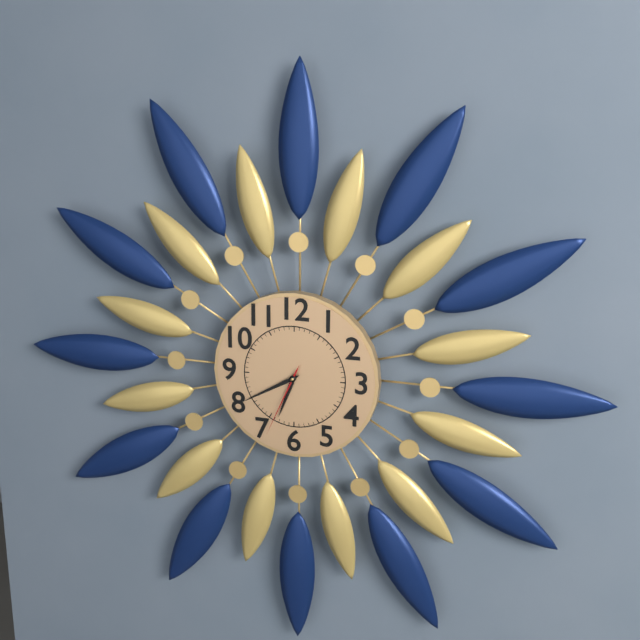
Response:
h=6 m=40 s=34
